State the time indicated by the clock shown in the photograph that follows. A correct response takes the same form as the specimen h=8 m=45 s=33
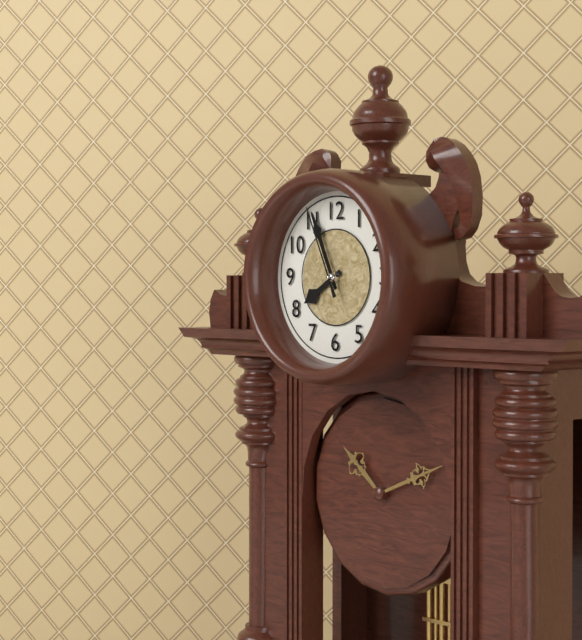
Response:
h=7 m=56 s=56
